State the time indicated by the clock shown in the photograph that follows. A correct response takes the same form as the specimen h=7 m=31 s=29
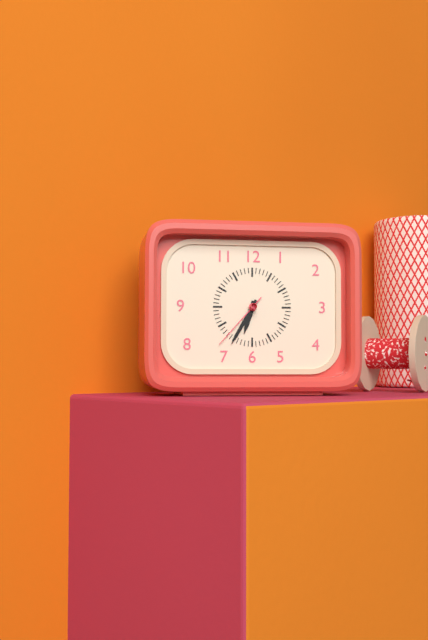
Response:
h=6 m=35 s=37
